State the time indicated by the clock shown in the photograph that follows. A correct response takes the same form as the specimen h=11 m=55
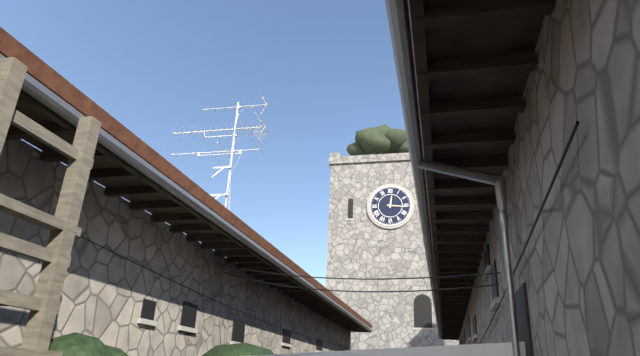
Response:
h=12 m=16
